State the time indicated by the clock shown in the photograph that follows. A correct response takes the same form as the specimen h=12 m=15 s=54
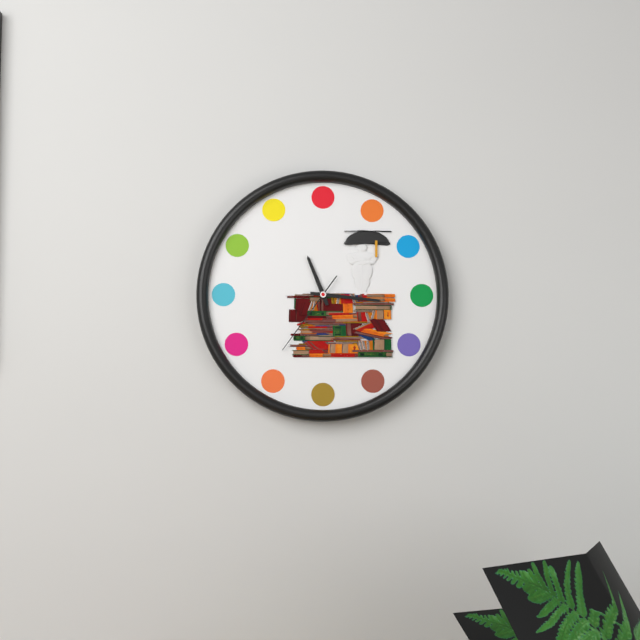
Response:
h=11 m=16 s=36
